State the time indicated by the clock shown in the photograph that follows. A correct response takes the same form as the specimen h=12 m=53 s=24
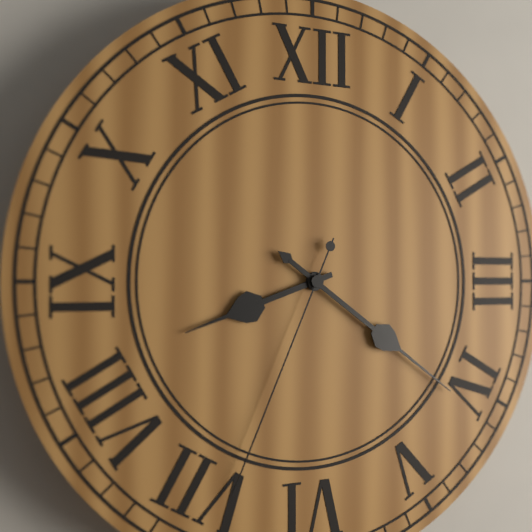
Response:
h=8 m=21 s=34
